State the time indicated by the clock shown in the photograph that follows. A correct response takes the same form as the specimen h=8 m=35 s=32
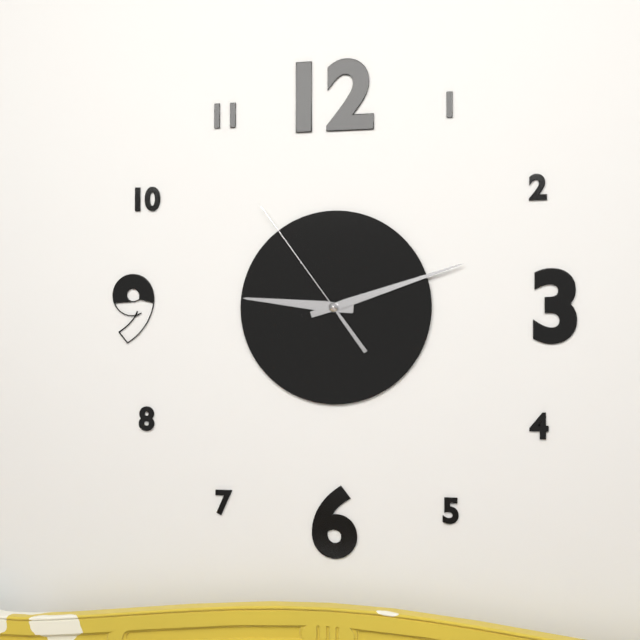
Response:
h=9 m=12 s=54
